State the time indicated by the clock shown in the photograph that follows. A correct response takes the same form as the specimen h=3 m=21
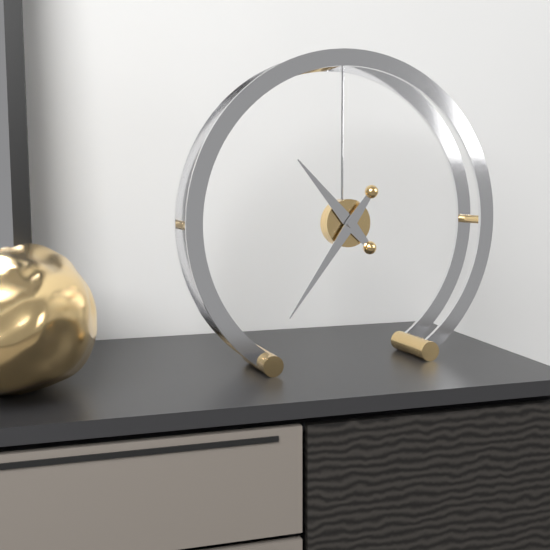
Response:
h=10 m=36
